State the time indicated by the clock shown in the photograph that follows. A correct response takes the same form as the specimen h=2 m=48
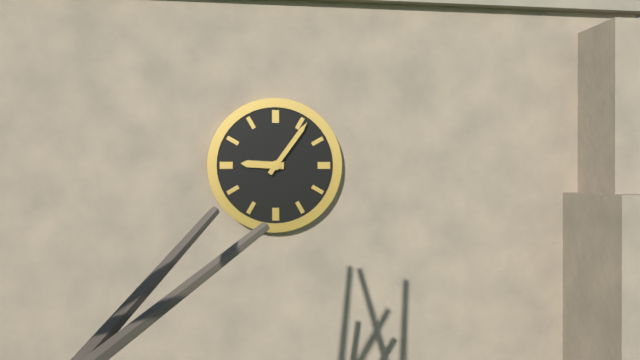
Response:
h=9 m=6
